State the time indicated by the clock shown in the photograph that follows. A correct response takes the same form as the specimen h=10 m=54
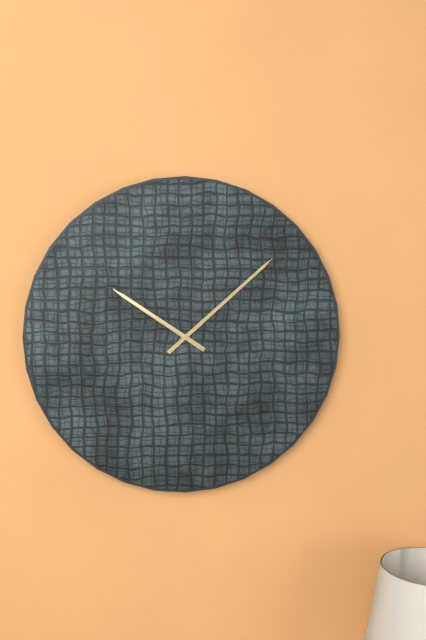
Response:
h=10 m=8
